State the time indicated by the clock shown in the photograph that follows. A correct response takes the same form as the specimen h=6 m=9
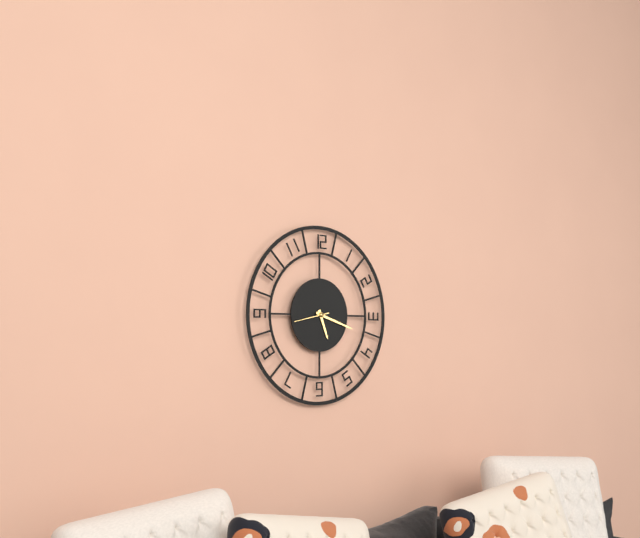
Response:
h=5 m=18
